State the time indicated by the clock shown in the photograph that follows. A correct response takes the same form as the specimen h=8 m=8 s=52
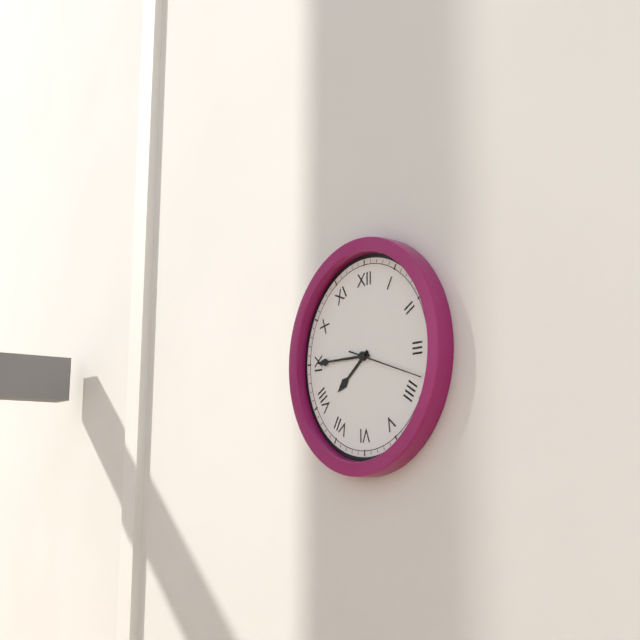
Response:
h=7 m=45 s=18
